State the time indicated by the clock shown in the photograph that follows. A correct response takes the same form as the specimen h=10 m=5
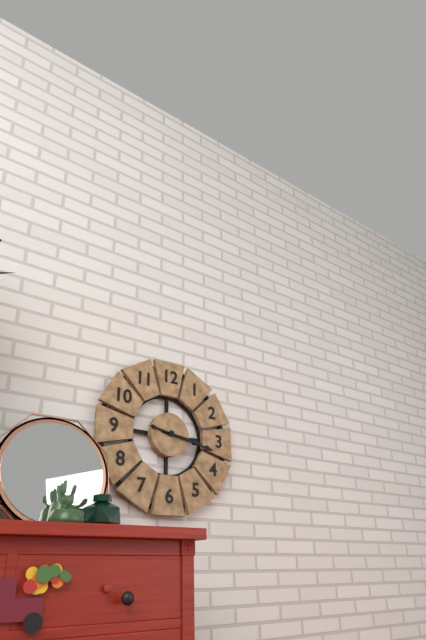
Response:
h=3 m=17
